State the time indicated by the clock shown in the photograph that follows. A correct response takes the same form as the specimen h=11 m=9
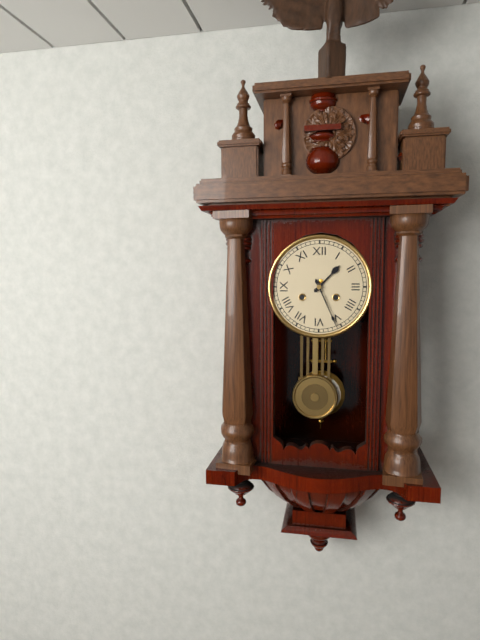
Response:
h=1 m=26
